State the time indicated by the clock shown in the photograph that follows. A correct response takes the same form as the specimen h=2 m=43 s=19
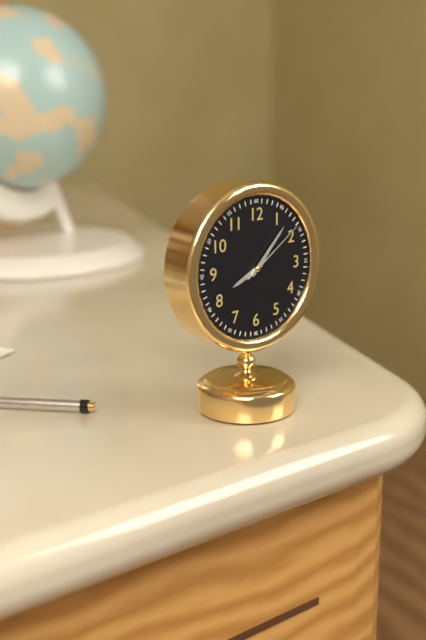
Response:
h=8 m=7 s=9
